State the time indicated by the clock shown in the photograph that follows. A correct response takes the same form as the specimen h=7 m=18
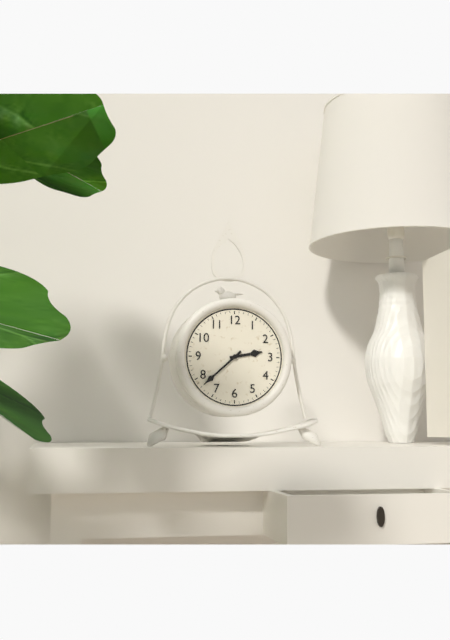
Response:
h=2 m=38
